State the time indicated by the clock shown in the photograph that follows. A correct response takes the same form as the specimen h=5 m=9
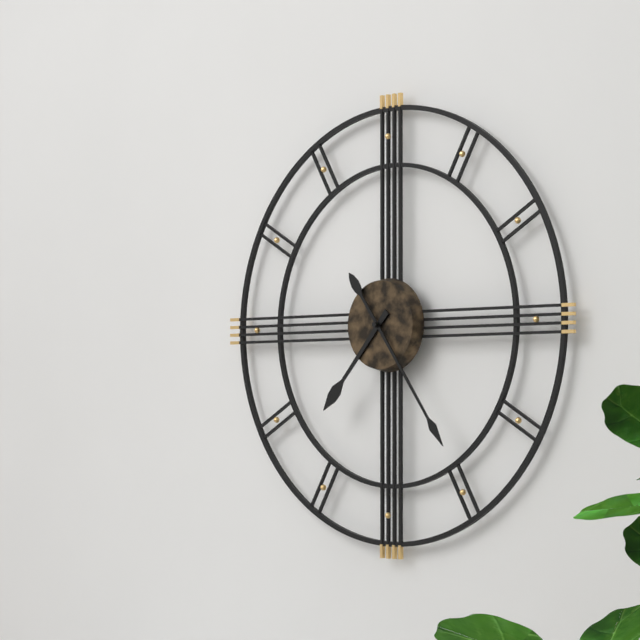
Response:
h=7 m=24
